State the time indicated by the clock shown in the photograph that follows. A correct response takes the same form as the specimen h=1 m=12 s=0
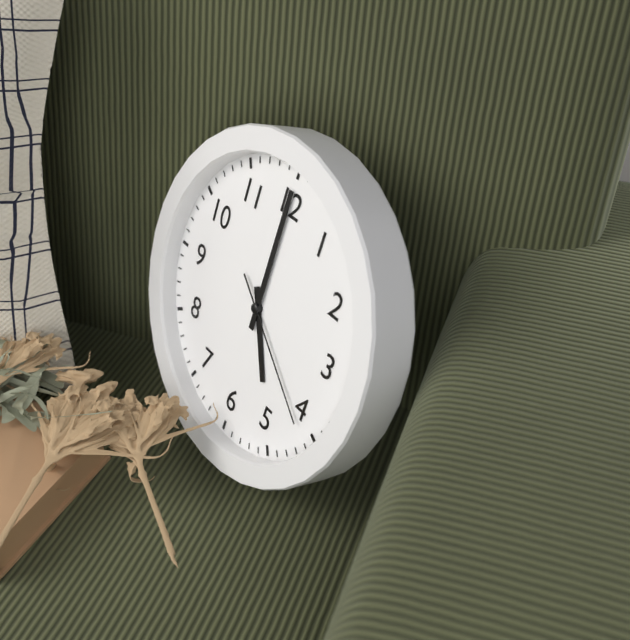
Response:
h=5 m=0 s=21
